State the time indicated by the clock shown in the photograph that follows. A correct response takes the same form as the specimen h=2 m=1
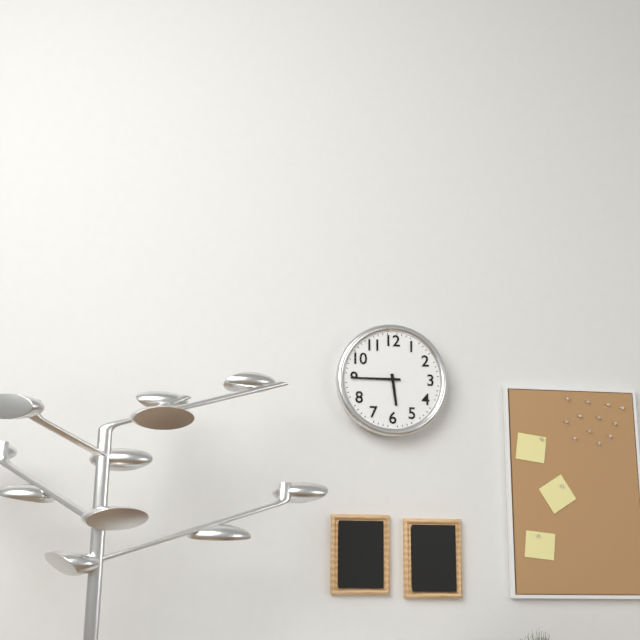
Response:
h=5 m=45
